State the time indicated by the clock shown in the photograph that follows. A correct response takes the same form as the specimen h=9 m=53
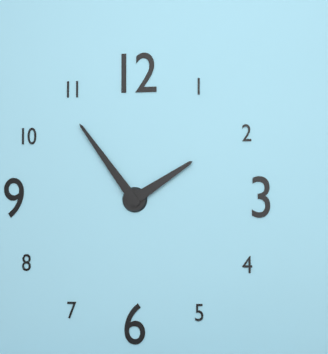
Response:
h=1 m=54
